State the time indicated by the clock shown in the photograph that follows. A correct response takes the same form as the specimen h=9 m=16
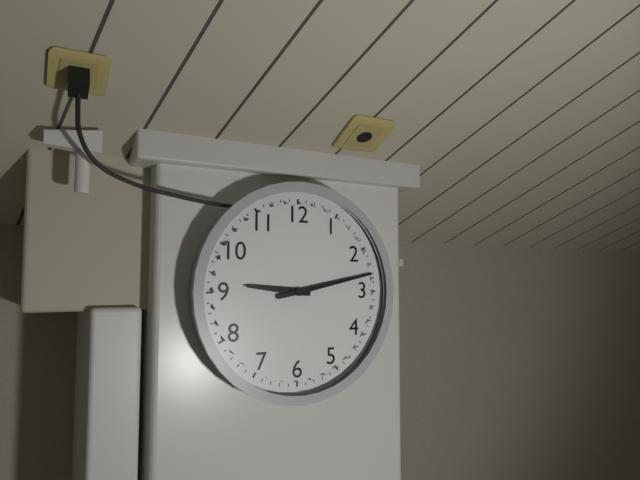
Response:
h=9 m=13
